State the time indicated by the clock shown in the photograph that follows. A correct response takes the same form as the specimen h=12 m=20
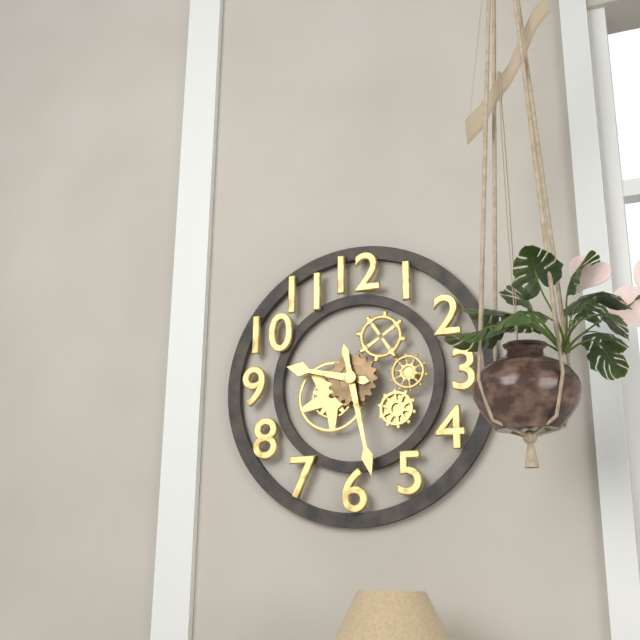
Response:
h=9 m=28
